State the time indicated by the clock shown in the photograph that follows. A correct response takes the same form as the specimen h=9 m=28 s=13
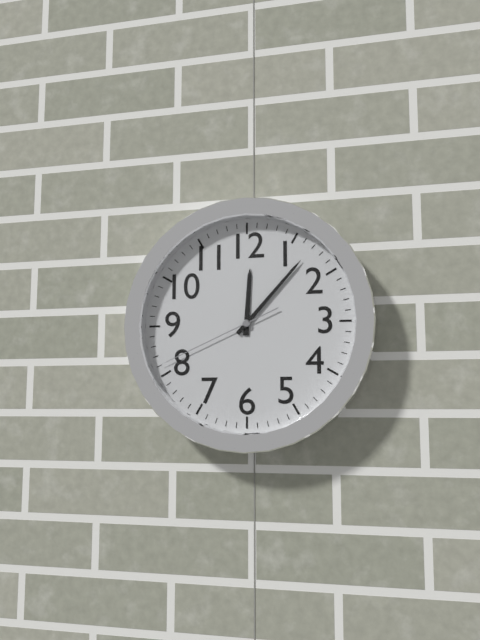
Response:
h=12 m=7 s=41
